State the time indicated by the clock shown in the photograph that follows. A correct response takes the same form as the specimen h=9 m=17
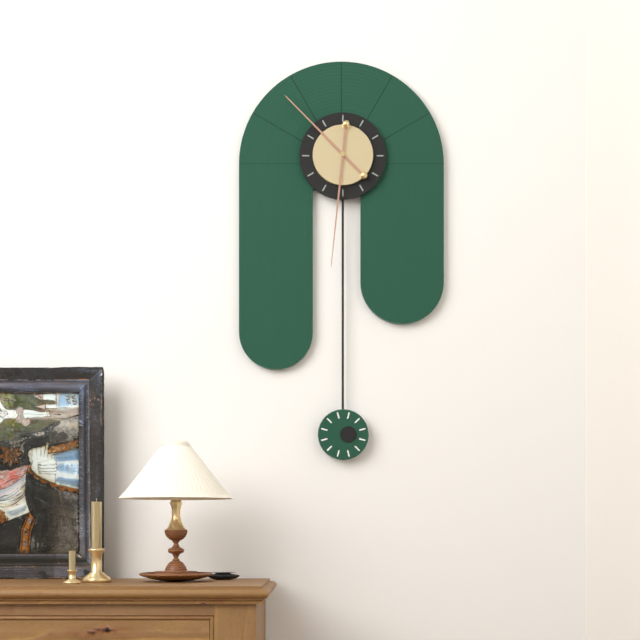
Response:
h=10 m=31
